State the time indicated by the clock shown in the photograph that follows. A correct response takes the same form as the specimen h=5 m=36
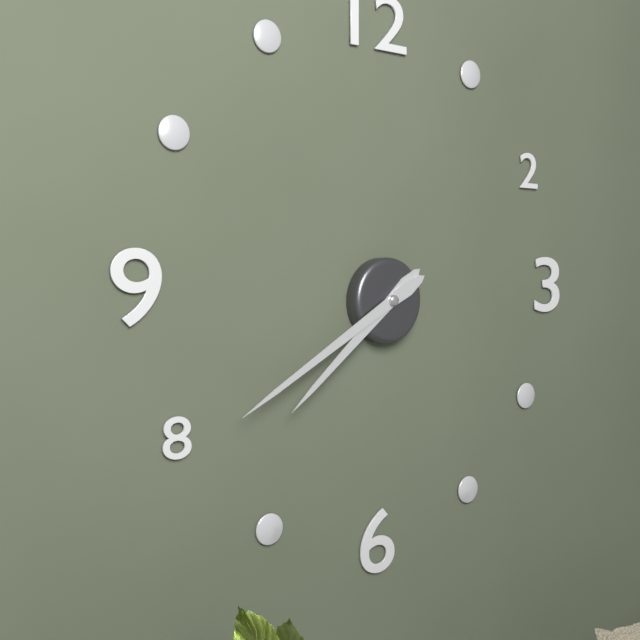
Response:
h=7 m=40
